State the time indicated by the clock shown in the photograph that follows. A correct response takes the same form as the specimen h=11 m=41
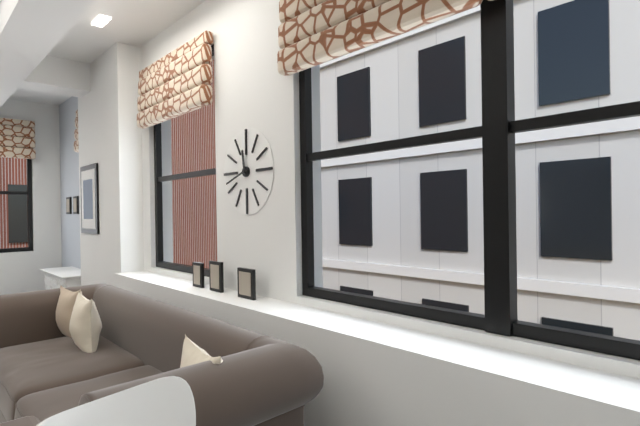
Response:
h=11 m=42
